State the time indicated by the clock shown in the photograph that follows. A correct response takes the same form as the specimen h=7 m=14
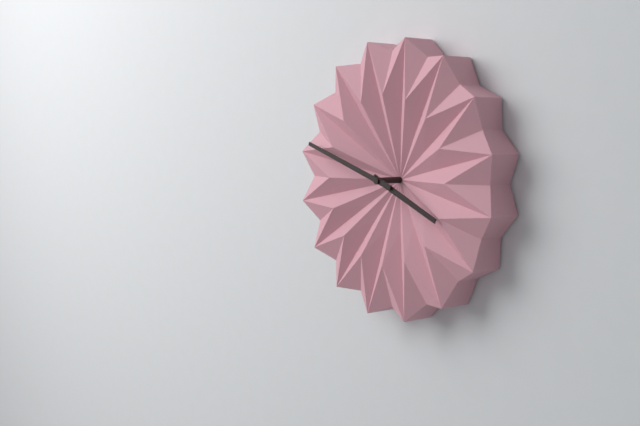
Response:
h=3 m=48
